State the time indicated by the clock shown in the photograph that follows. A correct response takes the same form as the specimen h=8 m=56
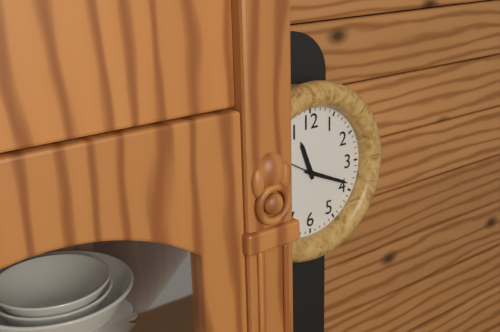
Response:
h=11 m=19
